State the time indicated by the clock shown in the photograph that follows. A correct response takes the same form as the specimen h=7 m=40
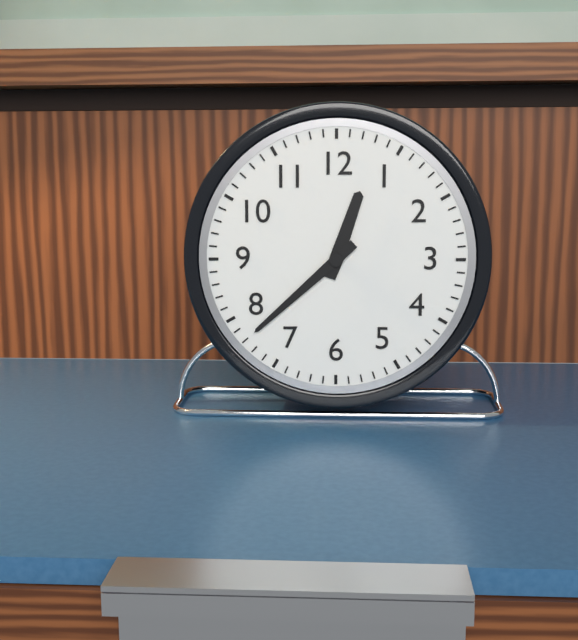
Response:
h=12 m=38
